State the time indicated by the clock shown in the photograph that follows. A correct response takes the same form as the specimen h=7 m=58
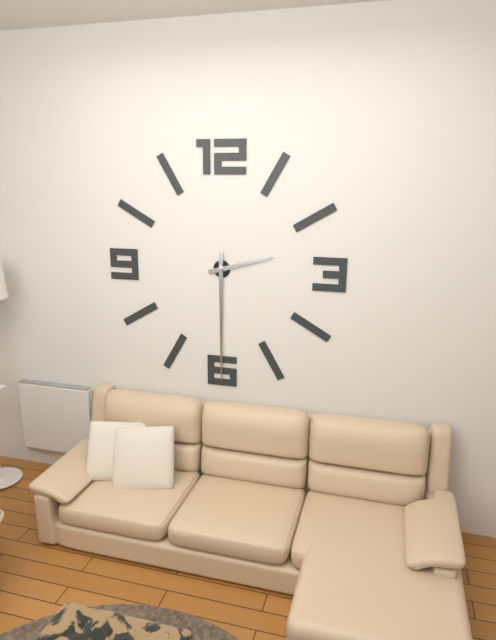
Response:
h=2 m=30
